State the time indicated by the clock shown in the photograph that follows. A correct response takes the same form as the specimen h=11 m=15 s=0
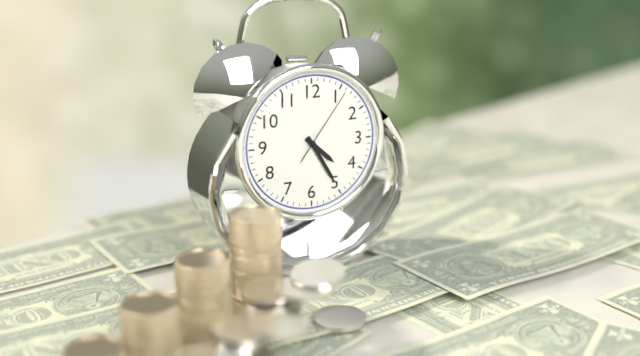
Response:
h=4 m=25 s=6
